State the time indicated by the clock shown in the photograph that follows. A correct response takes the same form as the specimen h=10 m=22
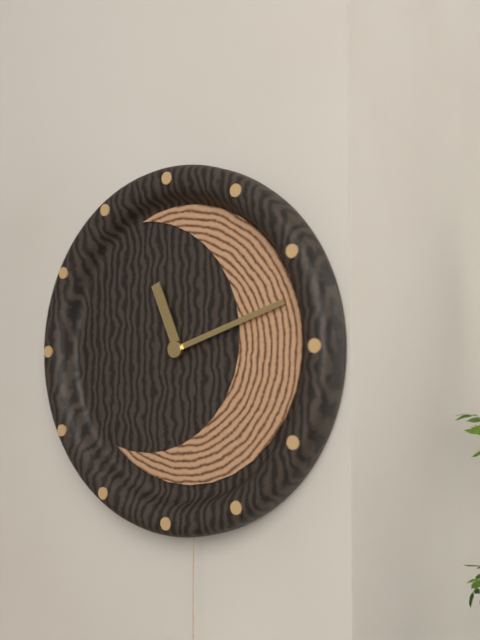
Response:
h=11 m=12
